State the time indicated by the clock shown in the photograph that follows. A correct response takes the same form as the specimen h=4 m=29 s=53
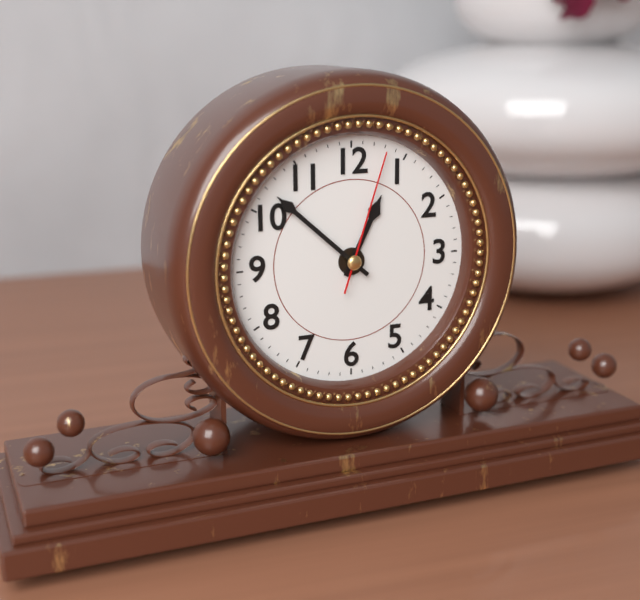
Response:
h=12 m=52 s=3
